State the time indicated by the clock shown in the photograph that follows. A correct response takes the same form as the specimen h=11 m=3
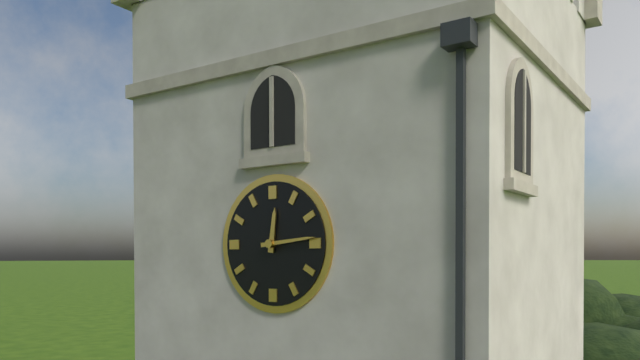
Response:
h=12 m=14
